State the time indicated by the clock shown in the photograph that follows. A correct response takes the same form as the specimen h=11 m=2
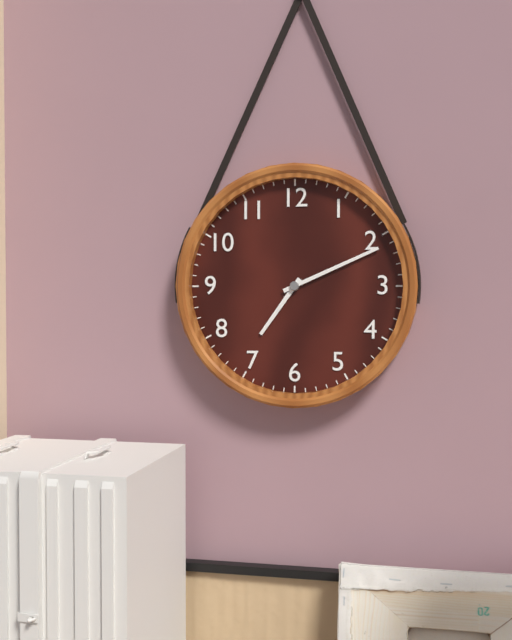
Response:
h=7 m=11
